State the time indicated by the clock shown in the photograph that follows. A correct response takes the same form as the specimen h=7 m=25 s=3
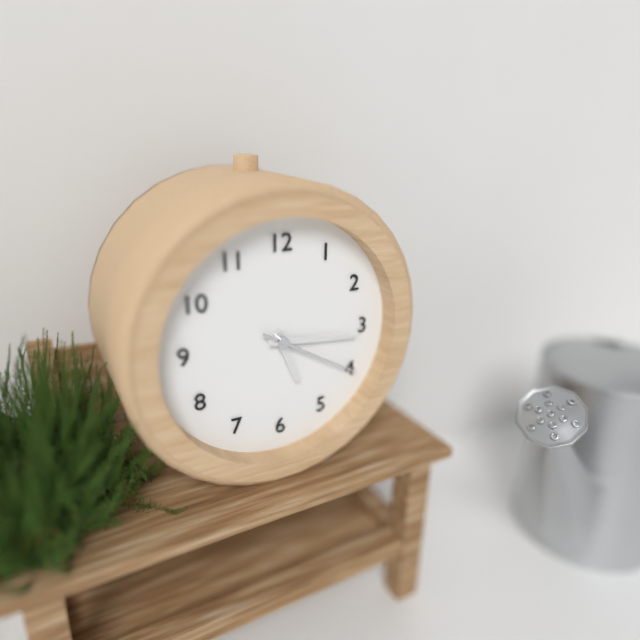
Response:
h=5 m=16 s=20
